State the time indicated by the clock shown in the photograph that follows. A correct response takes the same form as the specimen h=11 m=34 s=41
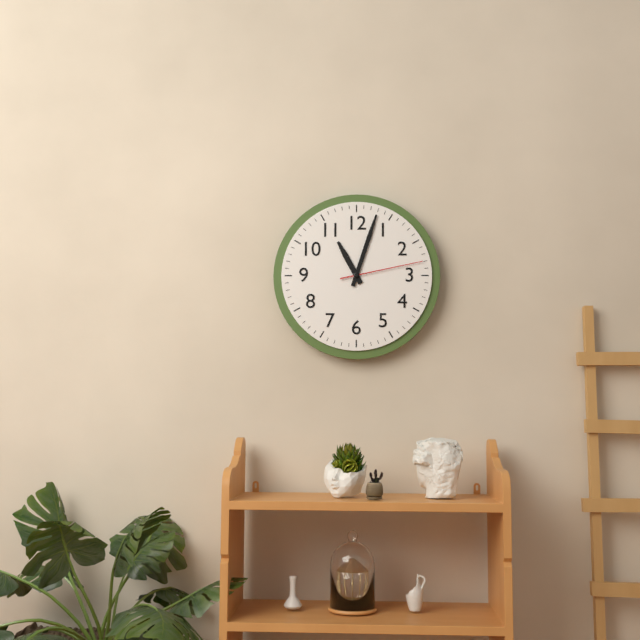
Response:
h=11 m=3 s=13
